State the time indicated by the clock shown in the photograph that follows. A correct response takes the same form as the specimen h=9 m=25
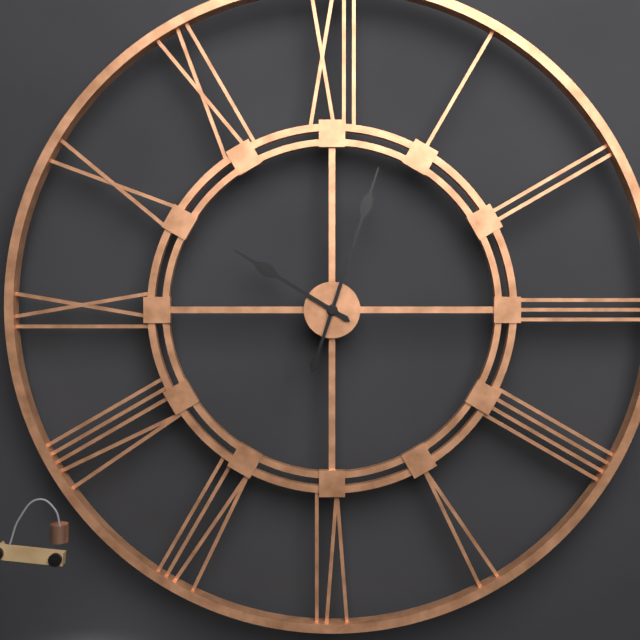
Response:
h=10 m=3
